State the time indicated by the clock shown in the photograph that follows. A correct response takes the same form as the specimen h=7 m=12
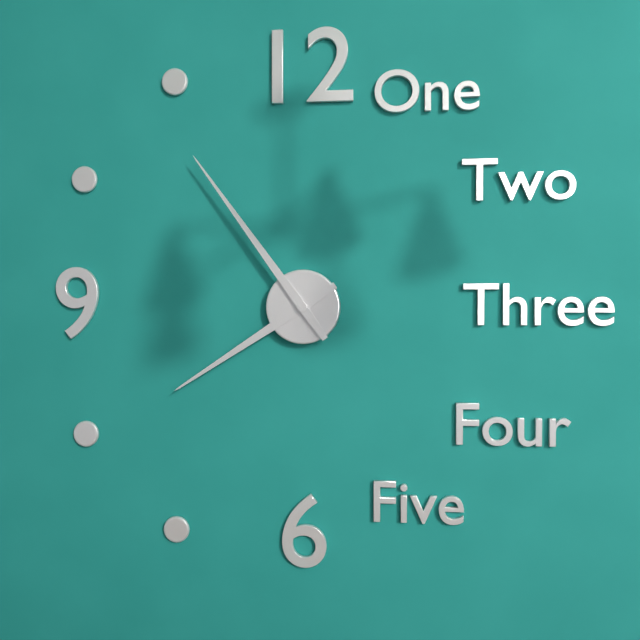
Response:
h=7 m=54
